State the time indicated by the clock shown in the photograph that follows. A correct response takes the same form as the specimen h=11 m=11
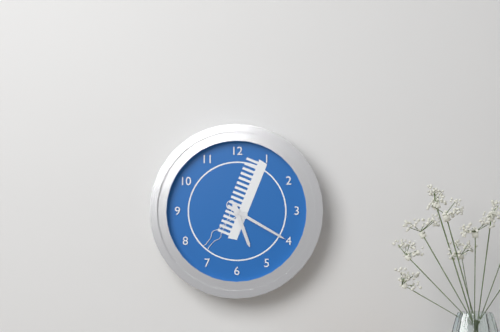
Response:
h=5 m=20
